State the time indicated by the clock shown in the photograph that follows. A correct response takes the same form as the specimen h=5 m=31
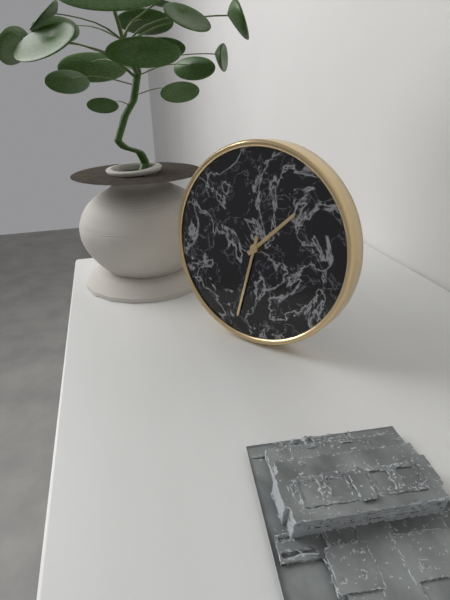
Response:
h=1 m=32
